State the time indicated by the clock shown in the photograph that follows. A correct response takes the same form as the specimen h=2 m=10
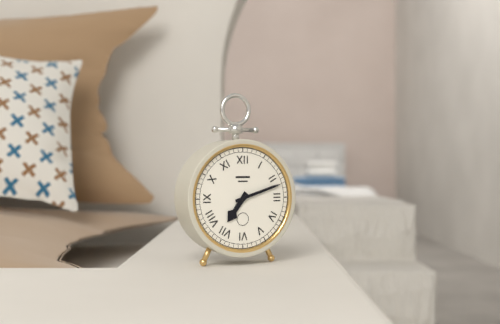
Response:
h=7 m=12
